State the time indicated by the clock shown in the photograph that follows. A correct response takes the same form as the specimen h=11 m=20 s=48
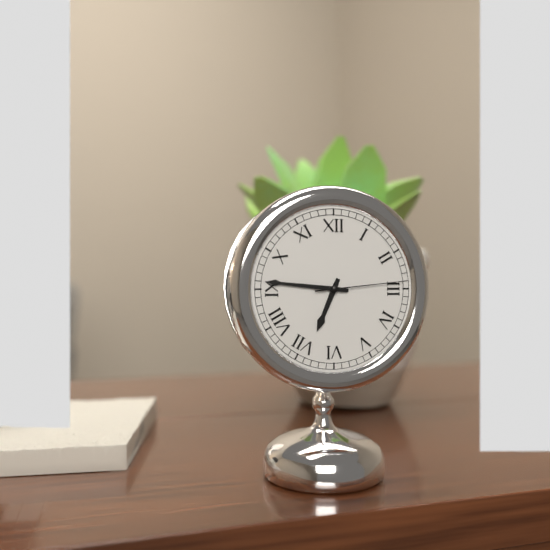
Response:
h=6 m=46 s=14
